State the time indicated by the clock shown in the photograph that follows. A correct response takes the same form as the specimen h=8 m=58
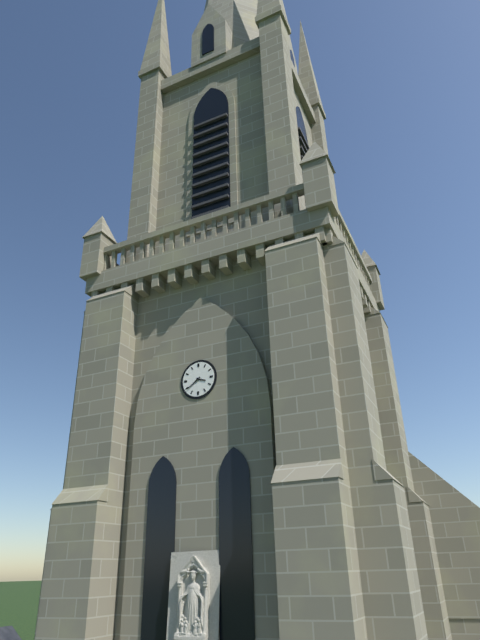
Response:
h=3 m=39
